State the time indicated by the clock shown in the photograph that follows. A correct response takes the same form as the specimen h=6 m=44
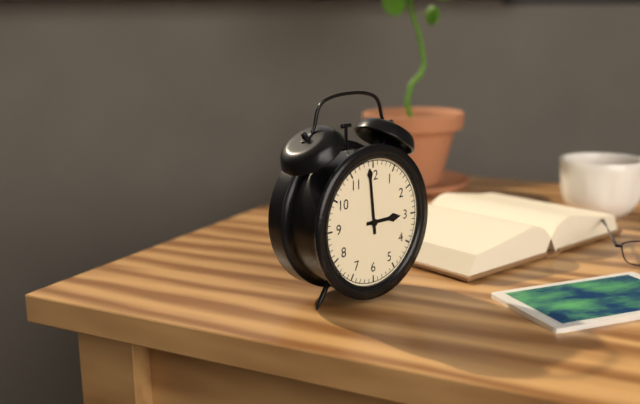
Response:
h=2 m=59
